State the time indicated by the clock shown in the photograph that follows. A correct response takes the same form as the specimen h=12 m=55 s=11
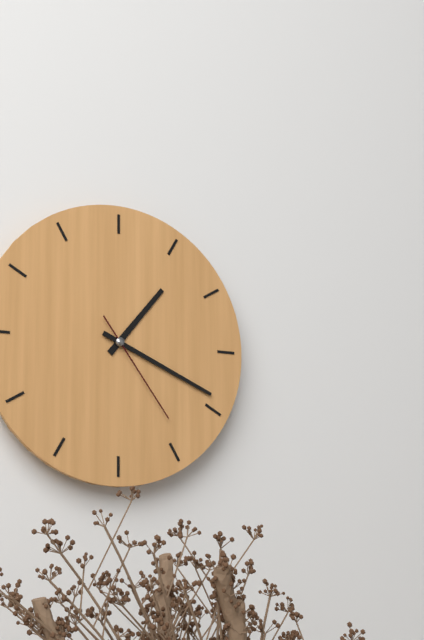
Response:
h=1 m=19 s=24
